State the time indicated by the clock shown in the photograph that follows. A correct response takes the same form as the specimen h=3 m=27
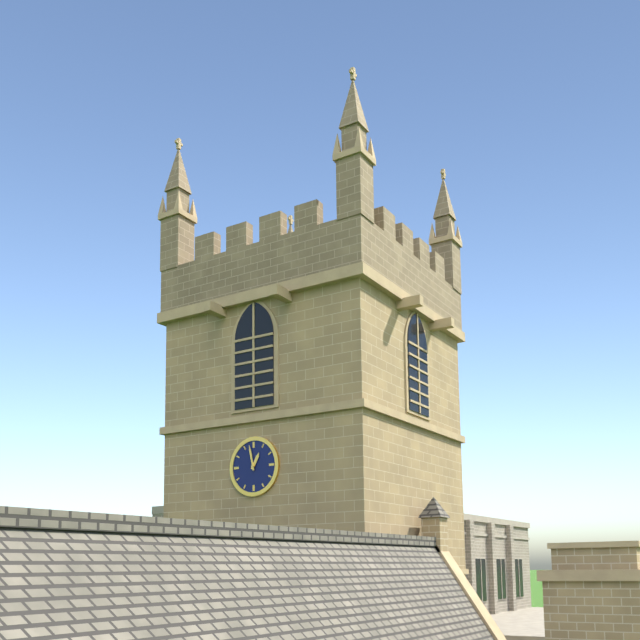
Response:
h=12 m=58
